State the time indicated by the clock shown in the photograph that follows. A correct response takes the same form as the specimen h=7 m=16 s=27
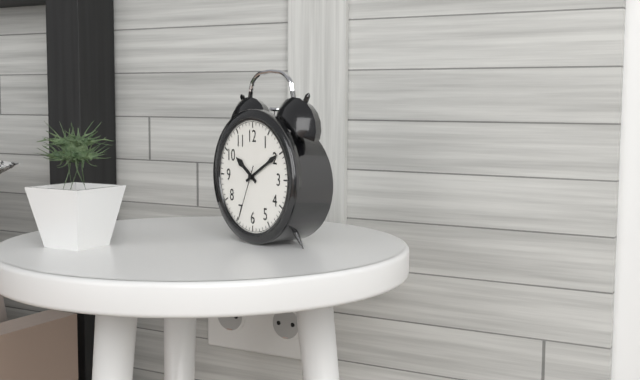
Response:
h=10 m=10 s=34
